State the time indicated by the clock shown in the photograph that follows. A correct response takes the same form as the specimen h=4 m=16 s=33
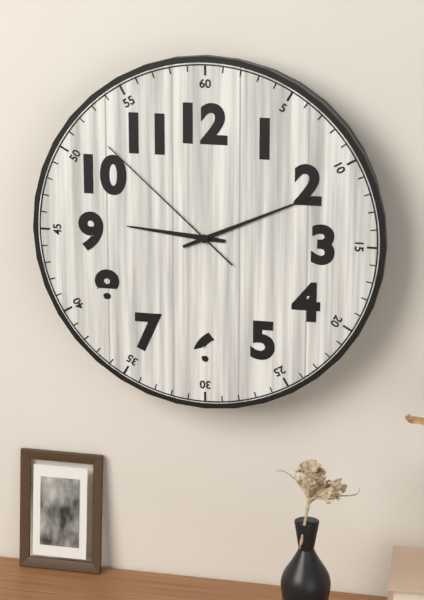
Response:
h=9 m=11 s=52
